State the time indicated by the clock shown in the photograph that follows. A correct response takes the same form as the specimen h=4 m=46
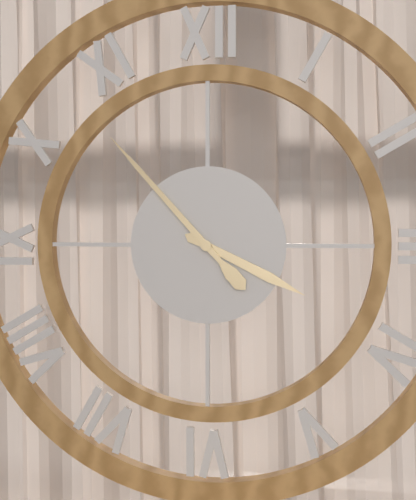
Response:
h=3 m=53
